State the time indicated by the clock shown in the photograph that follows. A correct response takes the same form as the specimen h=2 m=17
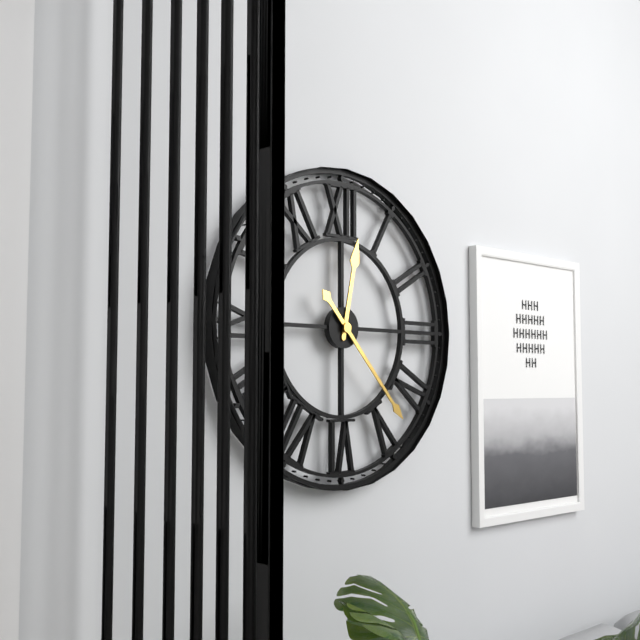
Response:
h=12 m=23
